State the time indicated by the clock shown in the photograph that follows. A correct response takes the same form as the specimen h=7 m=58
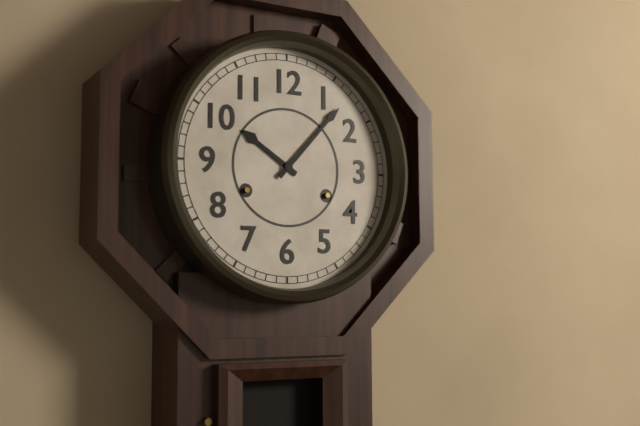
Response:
h=10 m=7
